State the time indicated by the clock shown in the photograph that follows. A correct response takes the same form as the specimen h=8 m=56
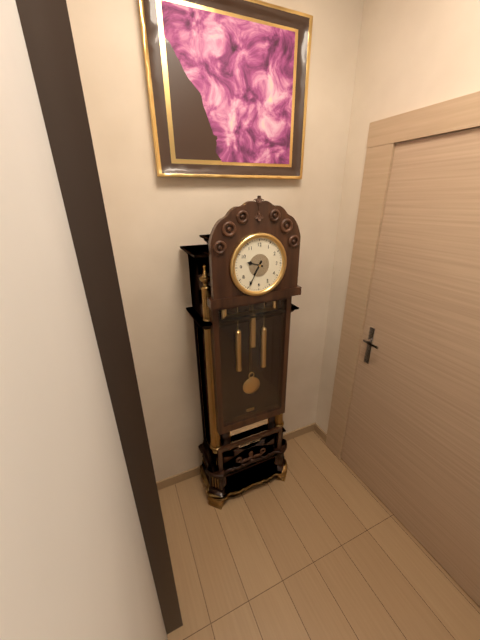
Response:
h=9 m=35
